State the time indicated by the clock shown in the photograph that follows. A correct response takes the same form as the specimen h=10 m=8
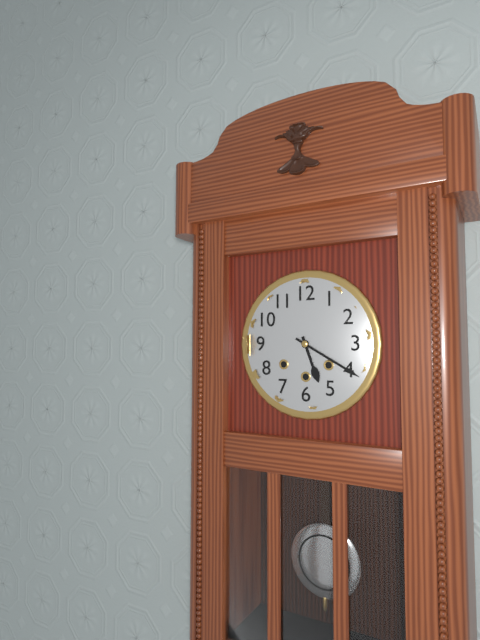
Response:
h=5 m=20
